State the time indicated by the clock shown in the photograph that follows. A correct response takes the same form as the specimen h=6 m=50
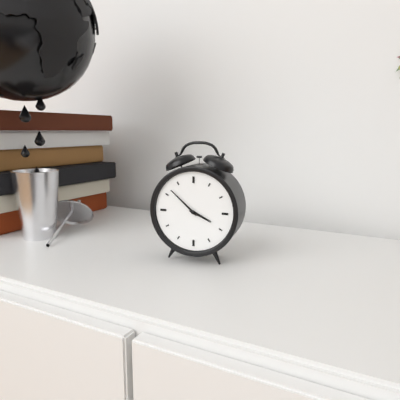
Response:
h=3 m=52
